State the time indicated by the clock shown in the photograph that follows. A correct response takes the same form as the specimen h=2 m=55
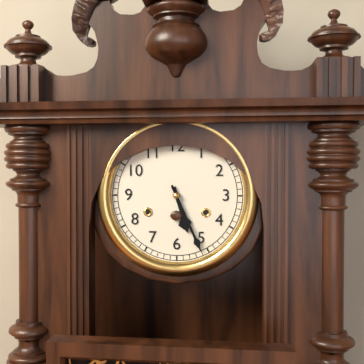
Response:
h=5 m=26
